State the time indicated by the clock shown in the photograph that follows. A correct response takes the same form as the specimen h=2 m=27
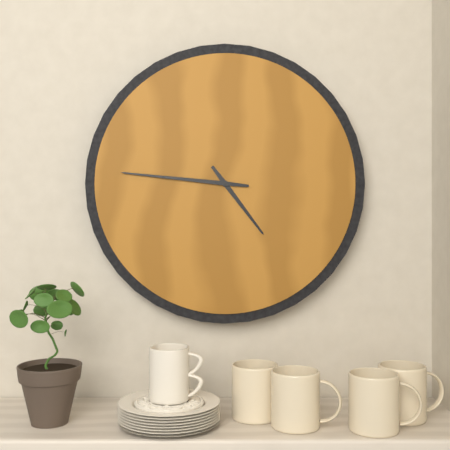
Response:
h=4 m=46
